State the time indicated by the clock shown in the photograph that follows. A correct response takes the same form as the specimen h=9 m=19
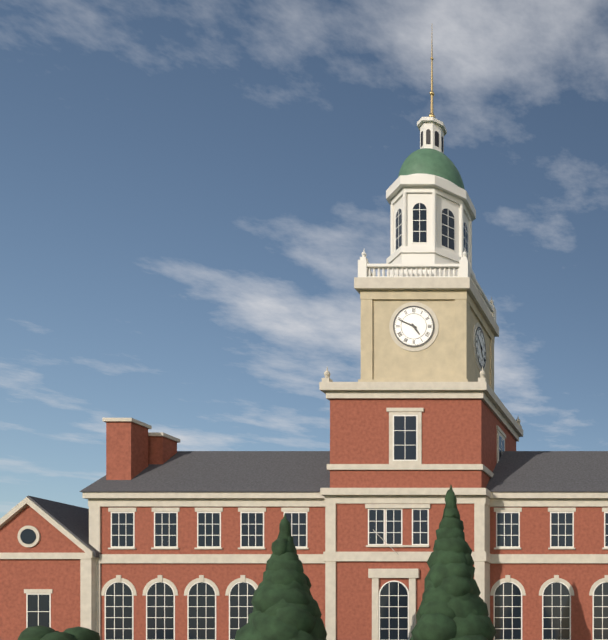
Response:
h=4 m=49
